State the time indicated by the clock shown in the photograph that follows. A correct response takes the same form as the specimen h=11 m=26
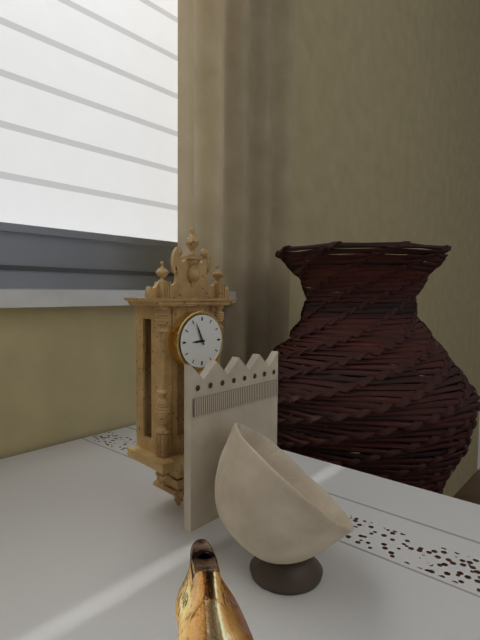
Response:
h=8 m=56
